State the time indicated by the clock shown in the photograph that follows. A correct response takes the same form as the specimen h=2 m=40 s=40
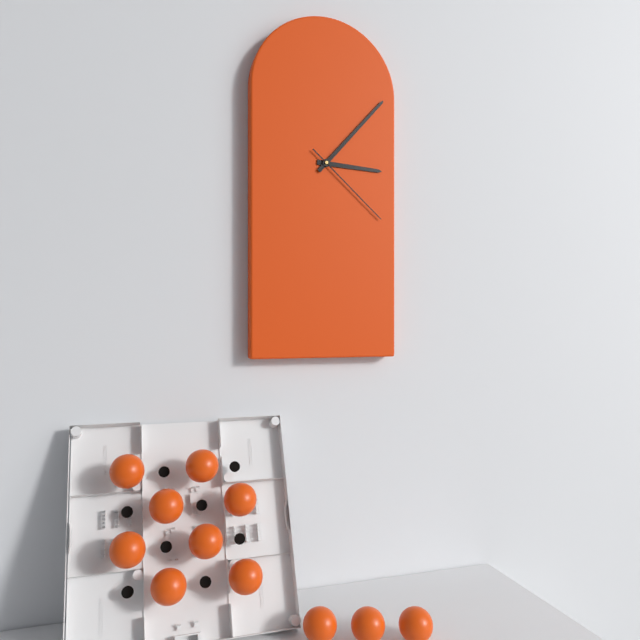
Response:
h=3 m=7 s=22
